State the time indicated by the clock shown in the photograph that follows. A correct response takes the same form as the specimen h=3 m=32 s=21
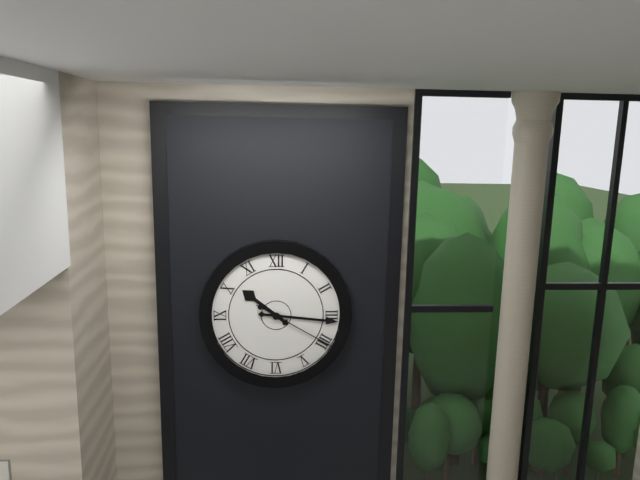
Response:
h=10 m=16 s=20
